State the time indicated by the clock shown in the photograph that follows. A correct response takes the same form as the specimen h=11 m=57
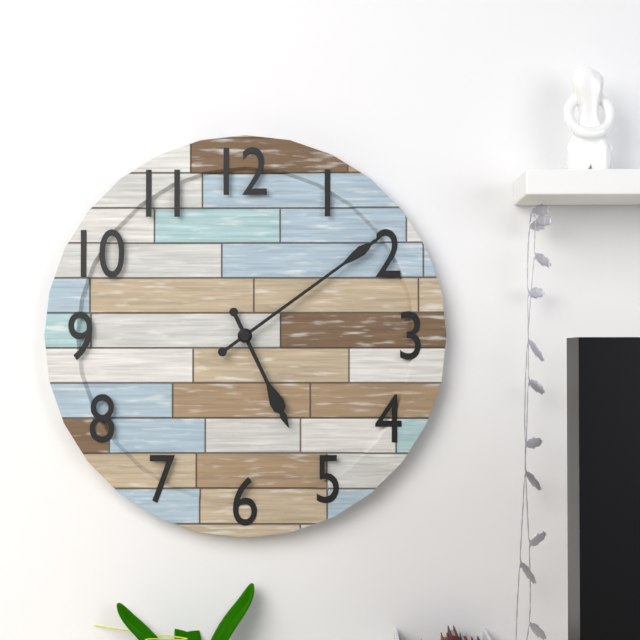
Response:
h=5 m=9
